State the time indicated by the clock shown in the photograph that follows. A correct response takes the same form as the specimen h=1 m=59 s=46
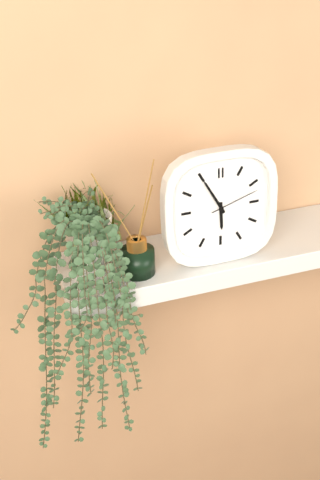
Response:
h=5 m=55 s=12
